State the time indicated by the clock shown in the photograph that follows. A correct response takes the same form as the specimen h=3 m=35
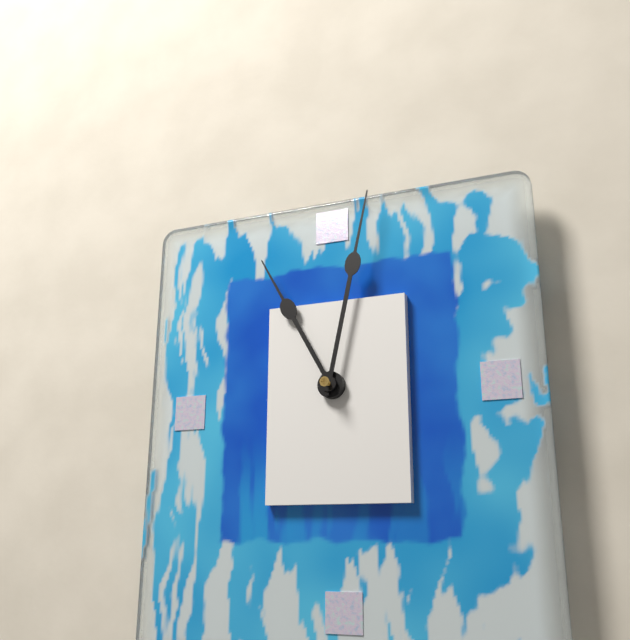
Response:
h=11 m=2
